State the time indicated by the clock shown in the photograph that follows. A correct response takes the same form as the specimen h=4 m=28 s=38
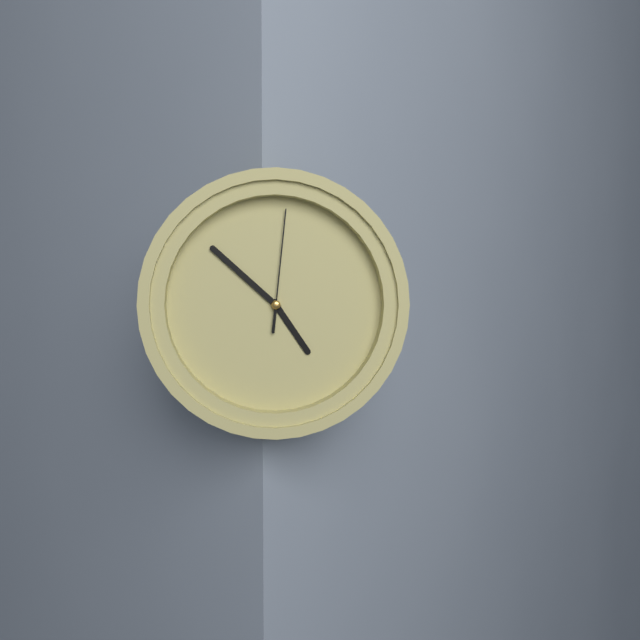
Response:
h=4 m=52 s=1
